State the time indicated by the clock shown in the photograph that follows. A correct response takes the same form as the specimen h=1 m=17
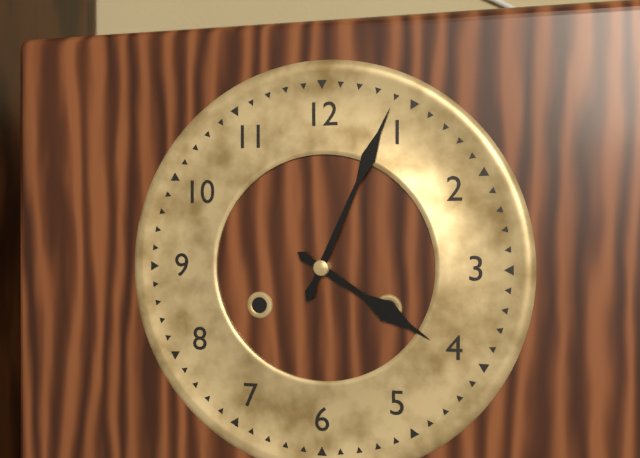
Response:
h=4 m=4
